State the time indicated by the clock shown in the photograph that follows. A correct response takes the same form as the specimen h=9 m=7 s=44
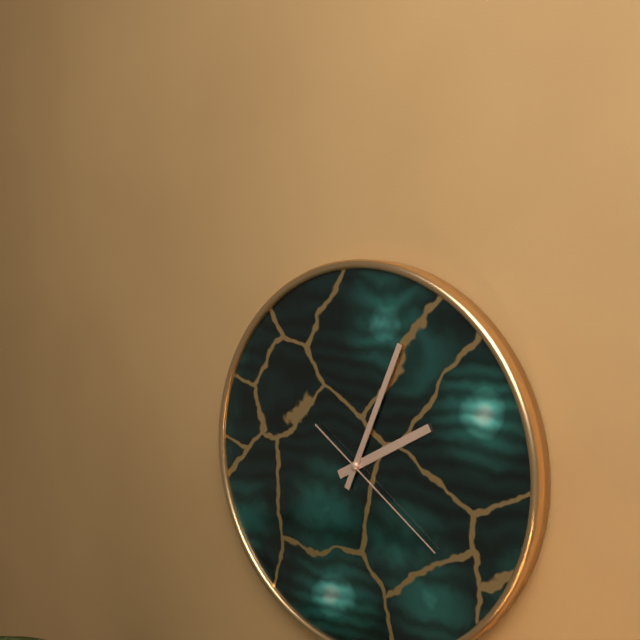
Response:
h=2 m=4 s=21
